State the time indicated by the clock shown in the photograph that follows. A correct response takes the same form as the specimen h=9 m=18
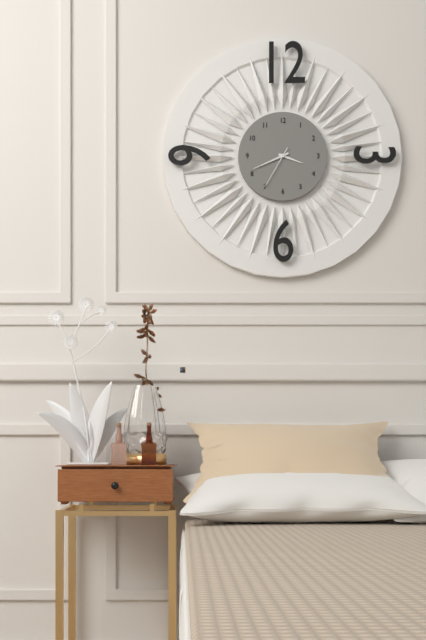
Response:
h=3 m=41
